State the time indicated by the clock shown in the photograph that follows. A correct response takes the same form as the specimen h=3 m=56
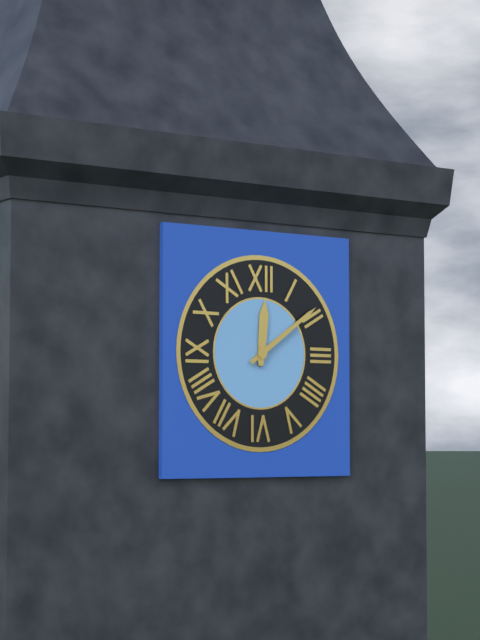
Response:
h=12 m=9
